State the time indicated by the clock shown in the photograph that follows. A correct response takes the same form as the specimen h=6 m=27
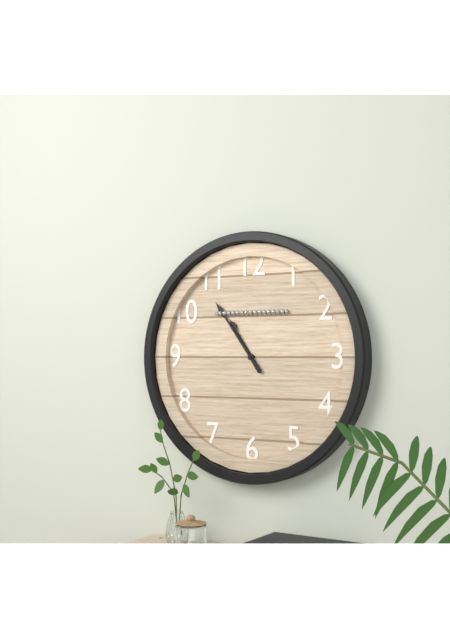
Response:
h=10 m=54
